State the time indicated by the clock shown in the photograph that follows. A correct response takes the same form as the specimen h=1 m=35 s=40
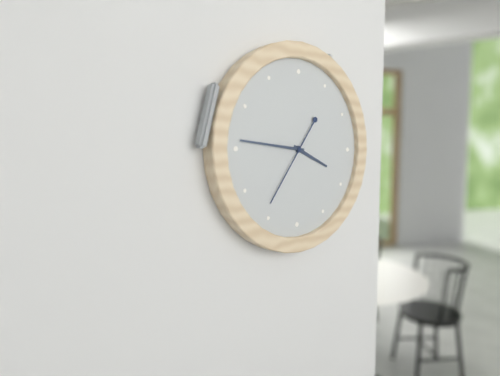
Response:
h=3 m=46 s=36
